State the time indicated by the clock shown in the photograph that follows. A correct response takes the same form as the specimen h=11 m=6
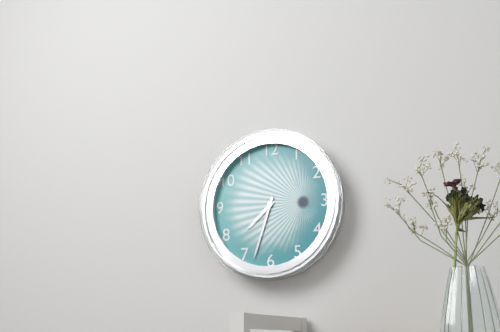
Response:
h=7 m=33
